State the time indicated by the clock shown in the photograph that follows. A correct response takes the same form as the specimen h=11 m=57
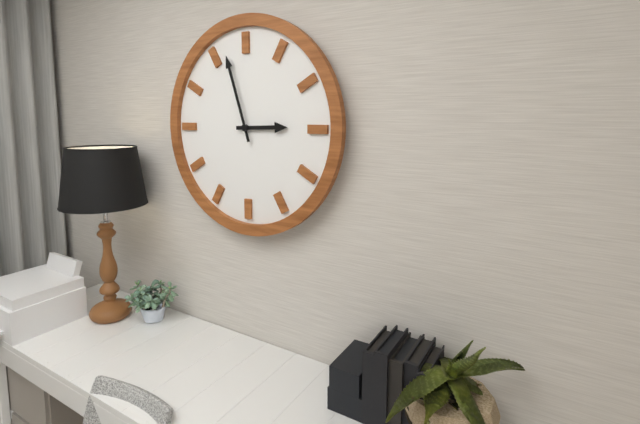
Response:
h=2 m=57
